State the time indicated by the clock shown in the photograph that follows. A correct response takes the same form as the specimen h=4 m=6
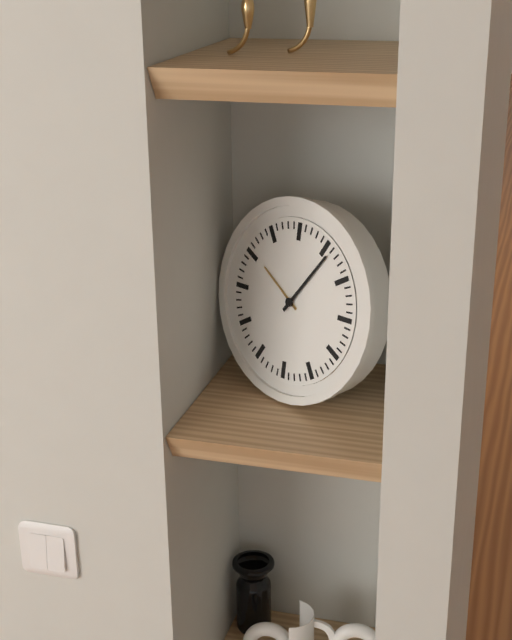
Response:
h=10 m=6
